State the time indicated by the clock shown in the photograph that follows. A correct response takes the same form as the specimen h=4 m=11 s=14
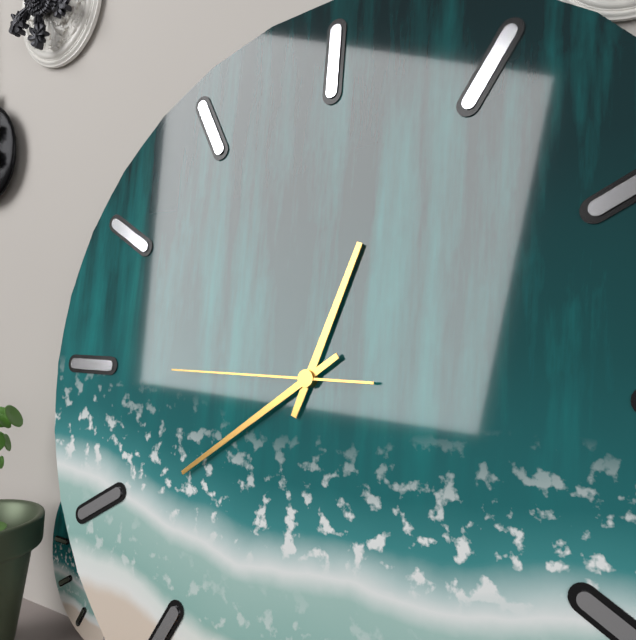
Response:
h=12 m=39 s=45
